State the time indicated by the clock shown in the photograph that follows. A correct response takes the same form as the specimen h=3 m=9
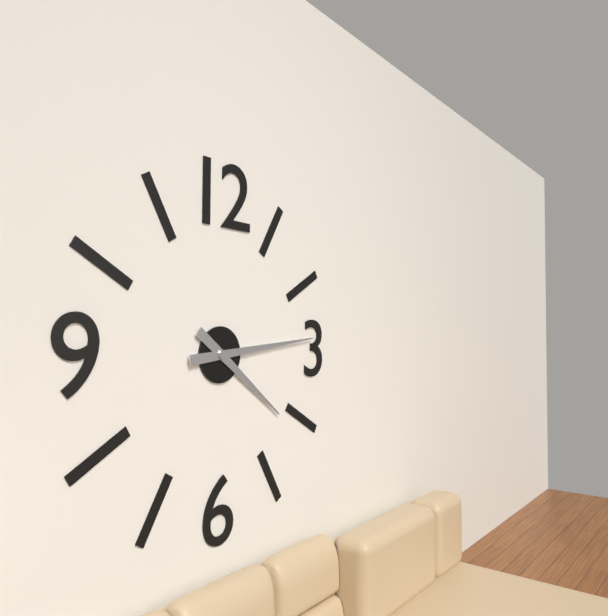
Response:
h=4 m=14
